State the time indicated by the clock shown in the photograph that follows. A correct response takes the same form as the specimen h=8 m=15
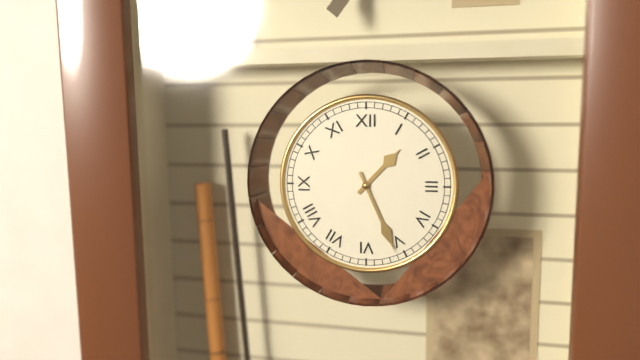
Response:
h=1 m=26
